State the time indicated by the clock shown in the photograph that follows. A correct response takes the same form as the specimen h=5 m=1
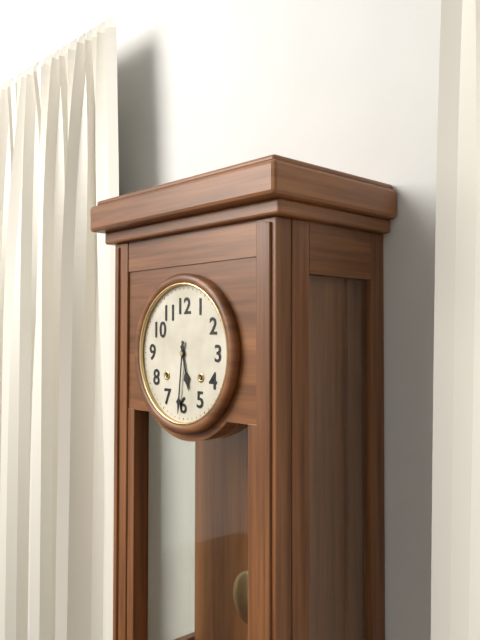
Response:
h=5 m=31
